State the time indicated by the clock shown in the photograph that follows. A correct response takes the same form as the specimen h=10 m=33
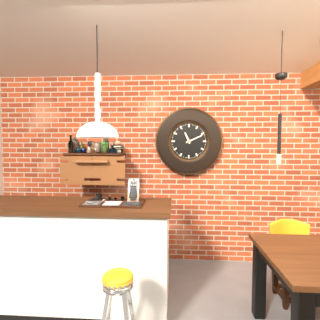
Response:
h=11 m=11
